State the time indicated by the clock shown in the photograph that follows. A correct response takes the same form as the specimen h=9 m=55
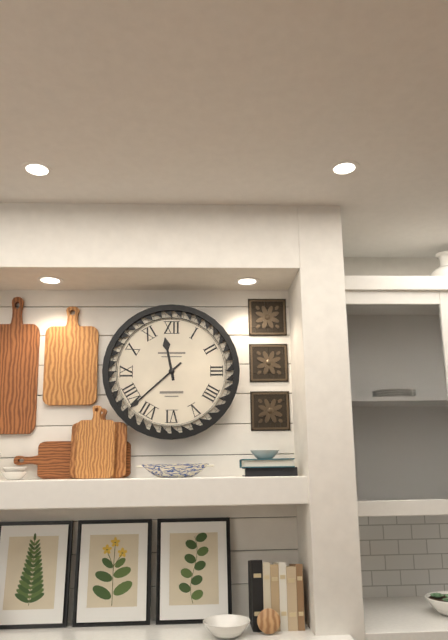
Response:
h=11 m=38
